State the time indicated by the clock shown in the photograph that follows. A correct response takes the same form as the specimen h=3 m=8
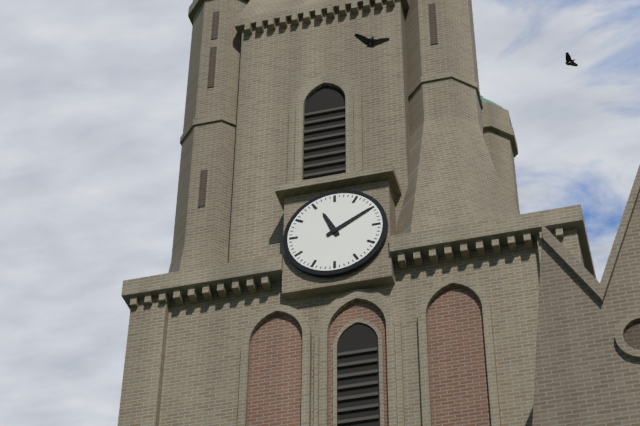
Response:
h=11 m=10
